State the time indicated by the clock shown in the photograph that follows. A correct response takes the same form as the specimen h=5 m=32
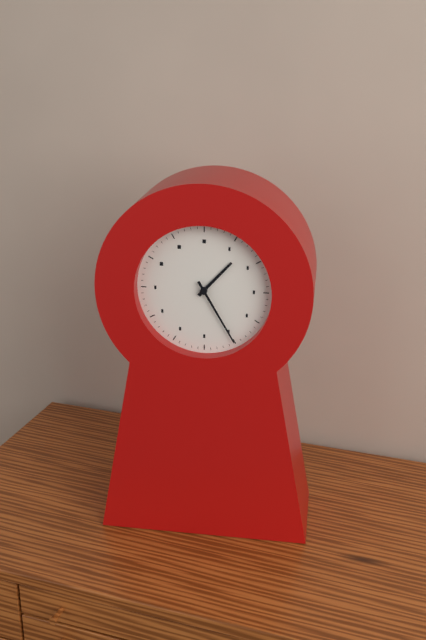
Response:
h=1 m=25
